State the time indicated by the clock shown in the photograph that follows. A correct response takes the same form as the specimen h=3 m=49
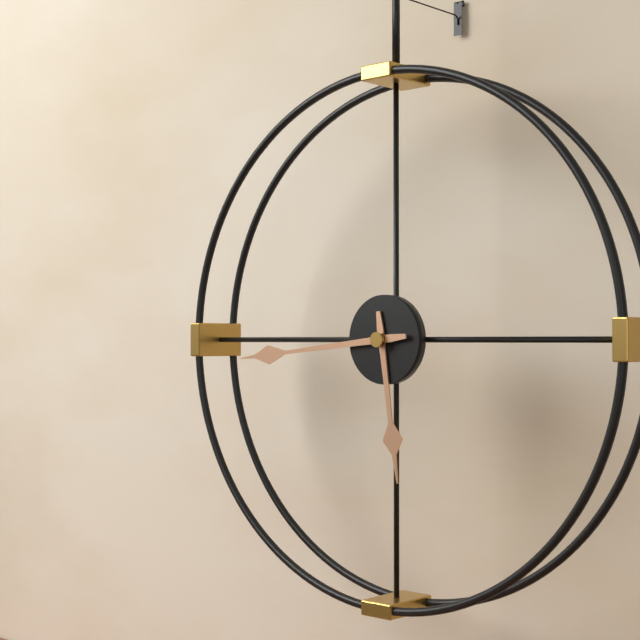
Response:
h=5 m=44
